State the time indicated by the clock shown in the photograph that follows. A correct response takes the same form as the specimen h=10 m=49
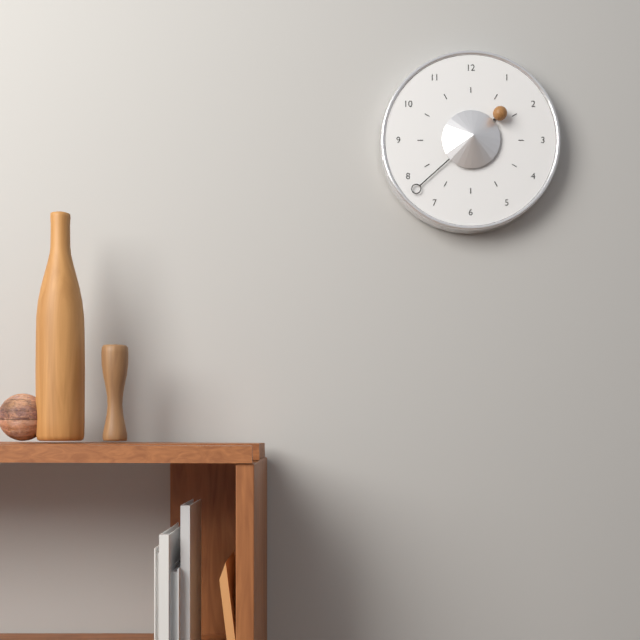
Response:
h=1 m=38
